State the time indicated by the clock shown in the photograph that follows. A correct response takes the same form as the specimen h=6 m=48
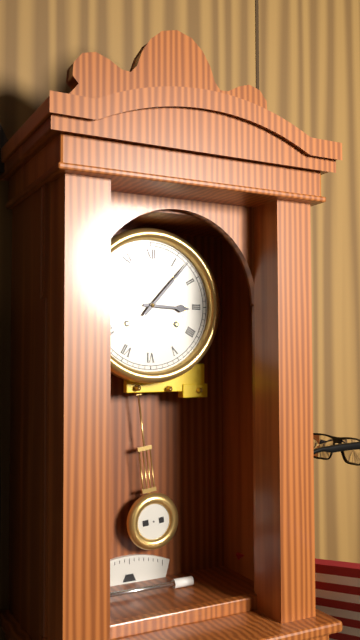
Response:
h=3 m=7
